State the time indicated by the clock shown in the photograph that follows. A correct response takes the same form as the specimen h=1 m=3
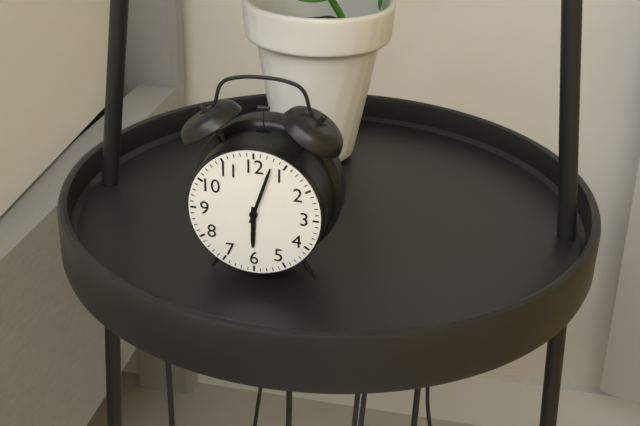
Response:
h=6 m=3
